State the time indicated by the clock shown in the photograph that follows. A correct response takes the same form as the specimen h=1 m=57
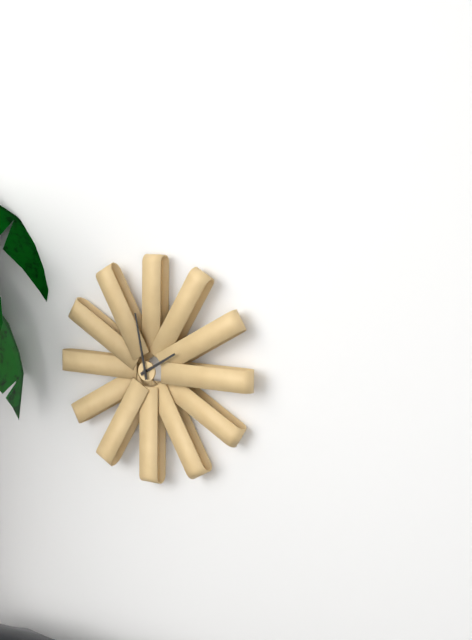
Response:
h=1 m=58
